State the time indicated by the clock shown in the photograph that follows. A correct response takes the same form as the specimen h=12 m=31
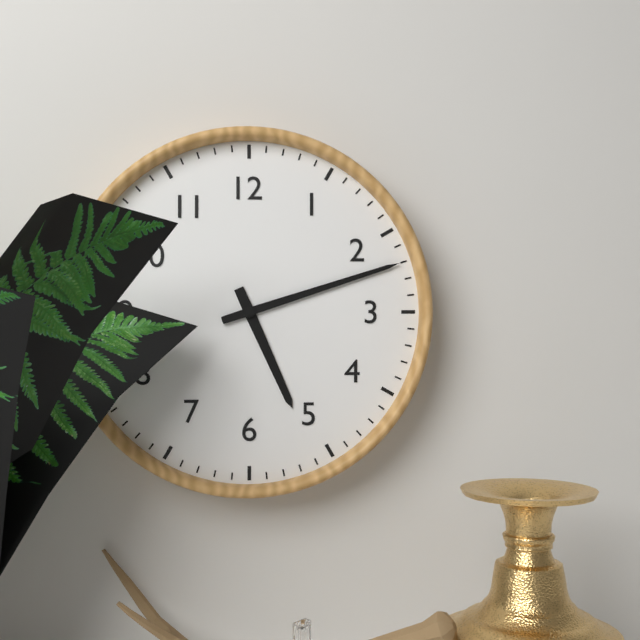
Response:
h=5 m=12
